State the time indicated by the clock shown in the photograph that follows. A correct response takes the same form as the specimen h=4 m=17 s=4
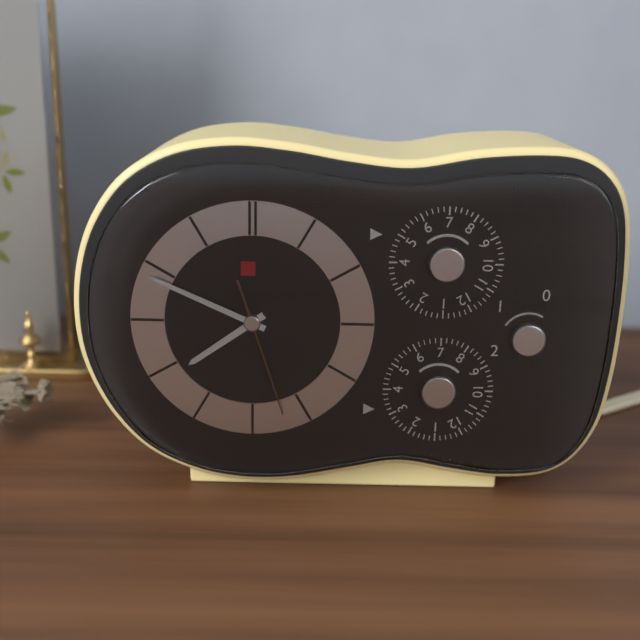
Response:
h=7 m=49 s=27
